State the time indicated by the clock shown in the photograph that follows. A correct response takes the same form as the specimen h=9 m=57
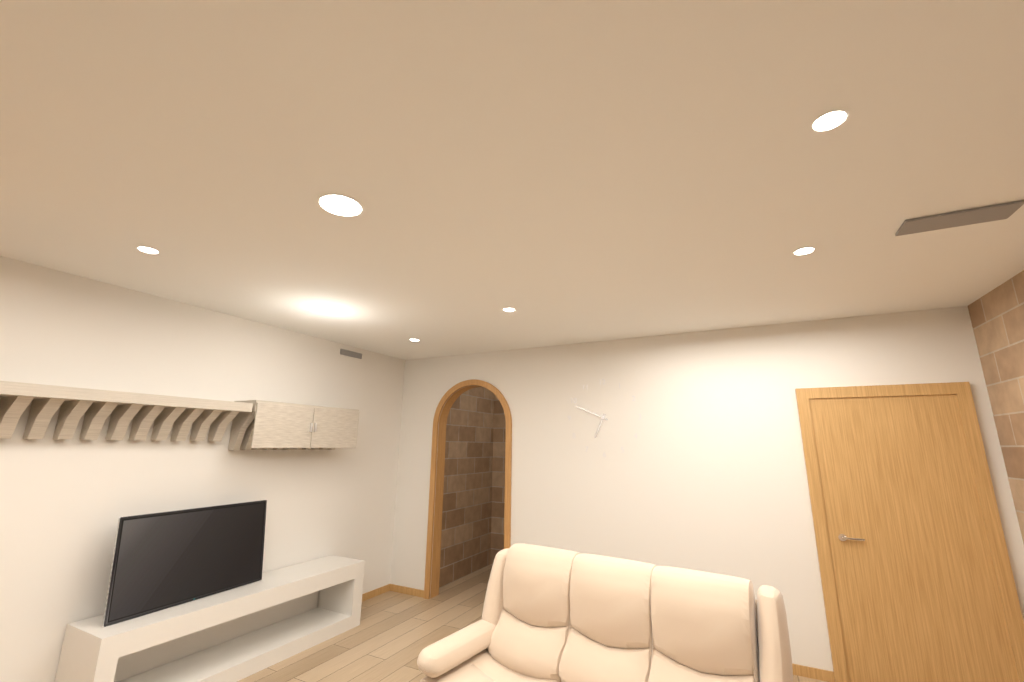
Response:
h=6 m=49
